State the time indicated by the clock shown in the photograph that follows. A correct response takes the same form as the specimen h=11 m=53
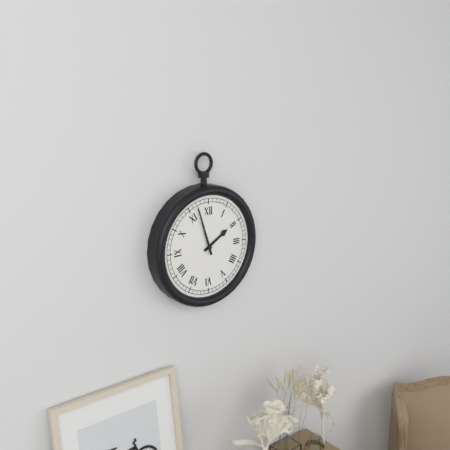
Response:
h=1 m=57
